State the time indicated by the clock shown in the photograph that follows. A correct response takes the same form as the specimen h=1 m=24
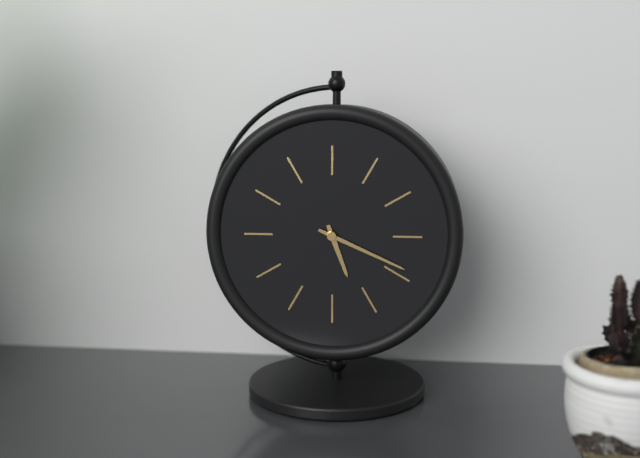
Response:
h=5 m=19
